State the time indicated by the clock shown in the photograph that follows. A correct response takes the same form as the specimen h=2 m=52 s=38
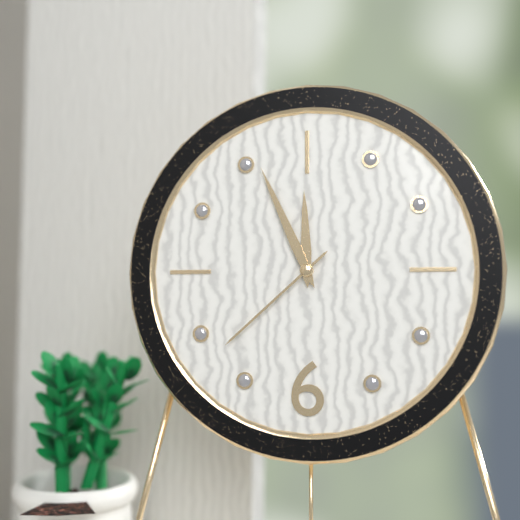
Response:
h=11 m=56 s=38
